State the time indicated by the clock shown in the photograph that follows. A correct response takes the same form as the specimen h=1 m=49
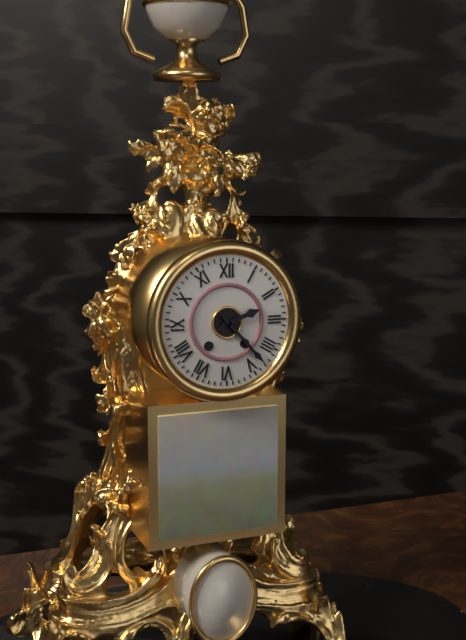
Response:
h=2 m=23
